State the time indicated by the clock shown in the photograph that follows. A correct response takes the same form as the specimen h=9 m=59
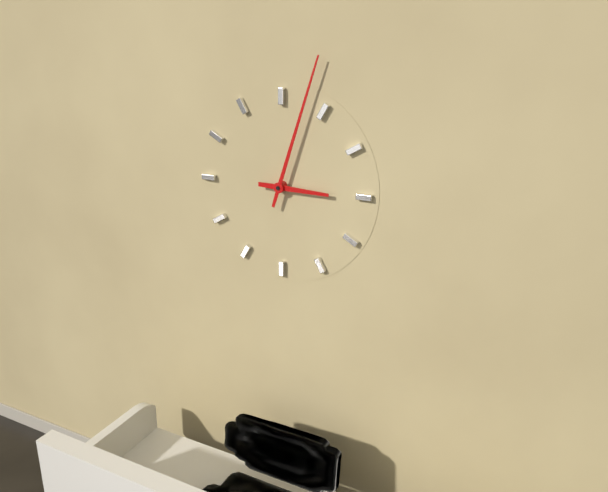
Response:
h=3 m=3
